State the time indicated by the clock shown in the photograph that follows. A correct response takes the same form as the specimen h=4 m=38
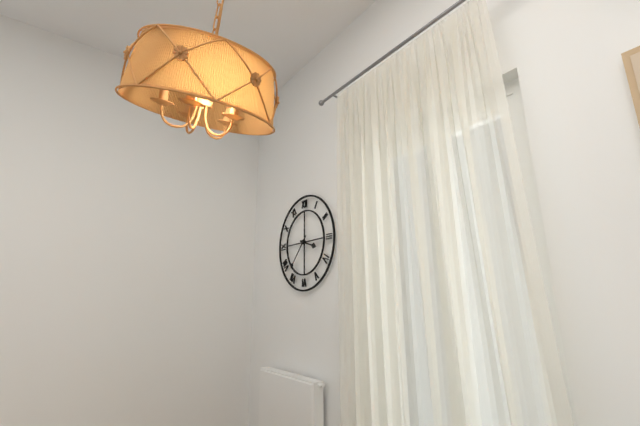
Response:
h=3 m=37
